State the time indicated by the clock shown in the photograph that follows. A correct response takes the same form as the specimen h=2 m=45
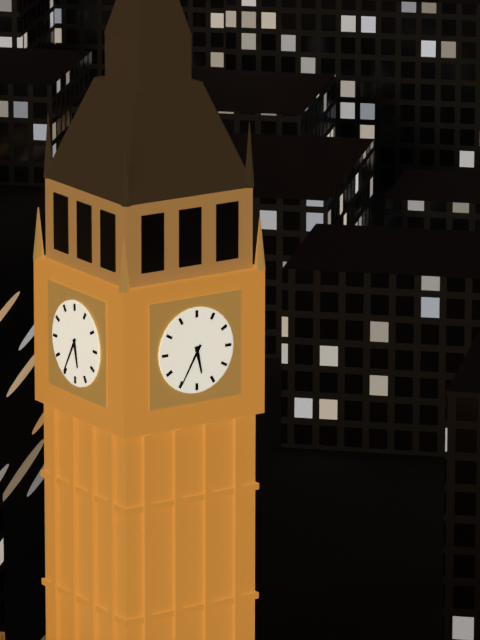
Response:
h=5 m=35
